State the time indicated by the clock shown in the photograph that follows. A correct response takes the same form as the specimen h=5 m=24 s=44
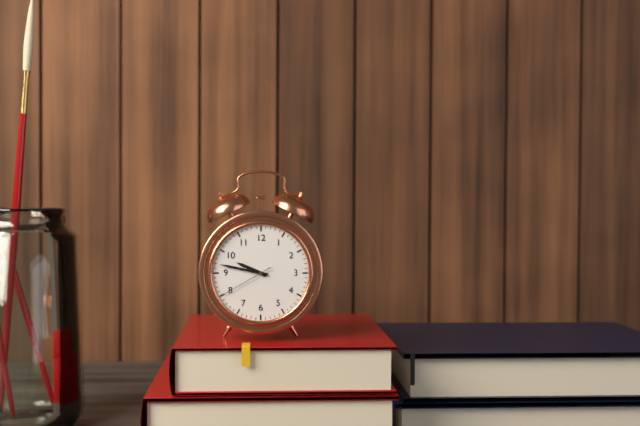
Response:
h=9 m=47 s=40
